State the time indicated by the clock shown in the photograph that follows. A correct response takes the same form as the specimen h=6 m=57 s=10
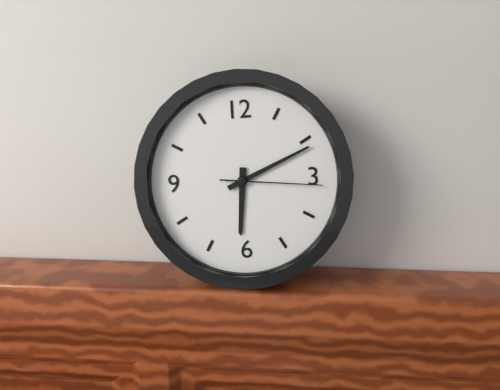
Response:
h=6 m=11 s=16
